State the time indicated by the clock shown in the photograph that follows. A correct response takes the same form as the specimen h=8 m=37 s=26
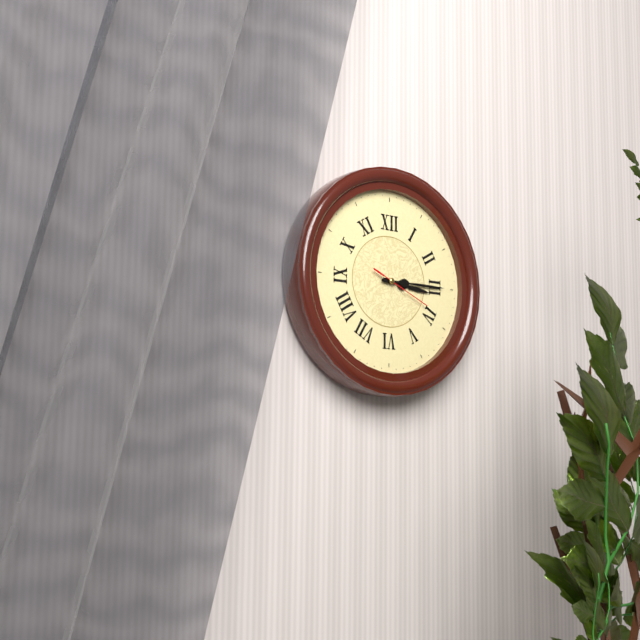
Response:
h=3 m=15 s=19
